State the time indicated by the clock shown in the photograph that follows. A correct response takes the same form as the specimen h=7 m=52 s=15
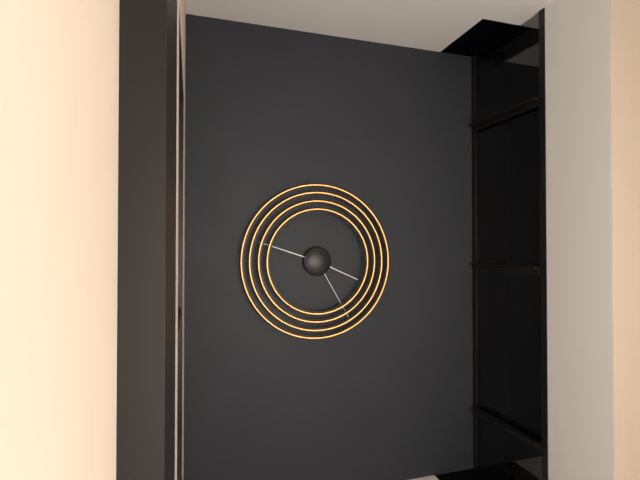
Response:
h=3 m=48 s=25
